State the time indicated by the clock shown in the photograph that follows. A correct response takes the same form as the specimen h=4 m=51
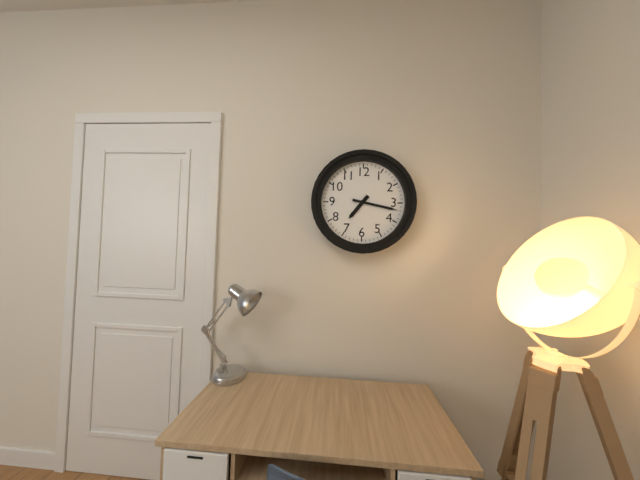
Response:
h=7 m=17
